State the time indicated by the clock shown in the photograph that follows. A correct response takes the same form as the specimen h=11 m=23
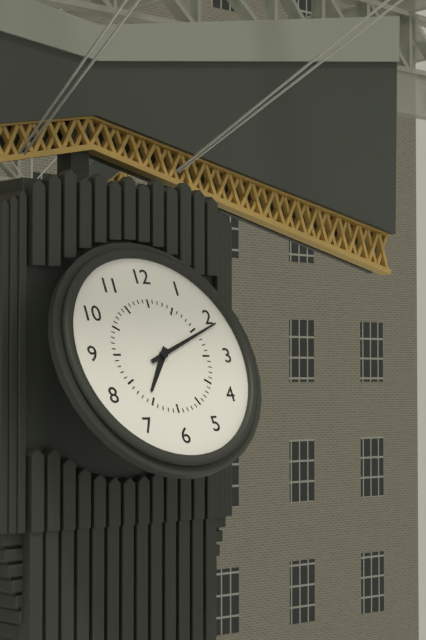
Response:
h=7 m=11
